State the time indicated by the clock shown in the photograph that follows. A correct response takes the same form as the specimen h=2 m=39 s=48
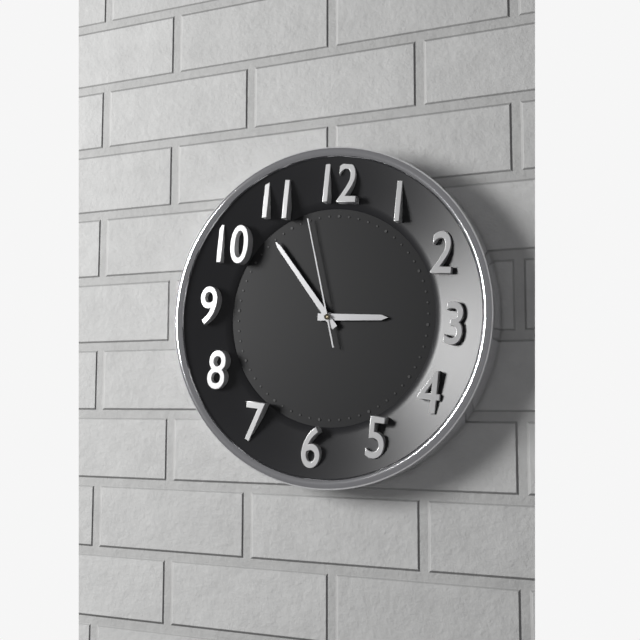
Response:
h=2 m=53 s=57
